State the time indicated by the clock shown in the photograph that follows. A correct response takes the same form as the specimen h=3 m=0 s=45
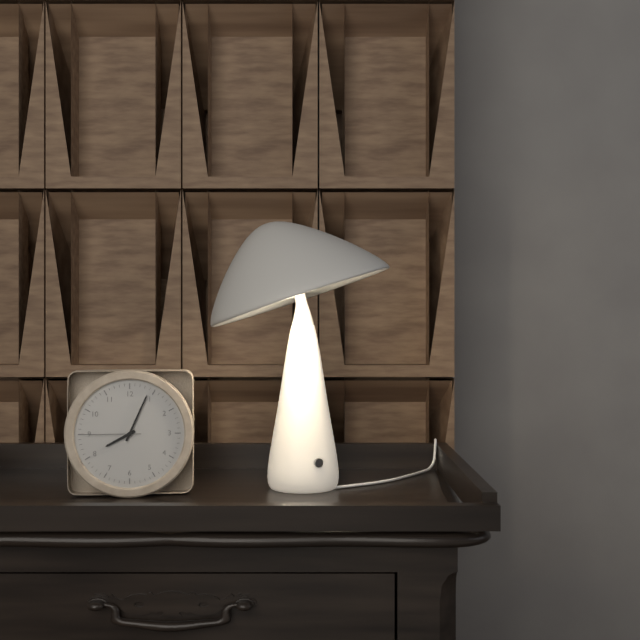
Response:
h=8 m=4 s=45
